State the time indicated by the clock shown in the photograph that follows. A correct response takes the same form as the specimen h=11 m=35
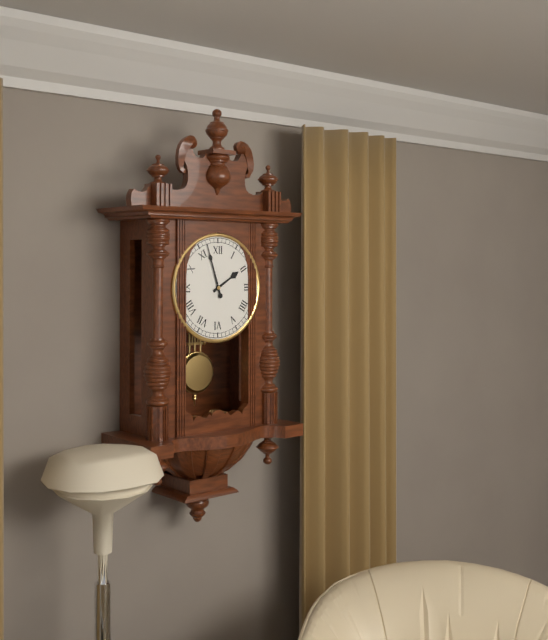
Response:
h=1 m=57
